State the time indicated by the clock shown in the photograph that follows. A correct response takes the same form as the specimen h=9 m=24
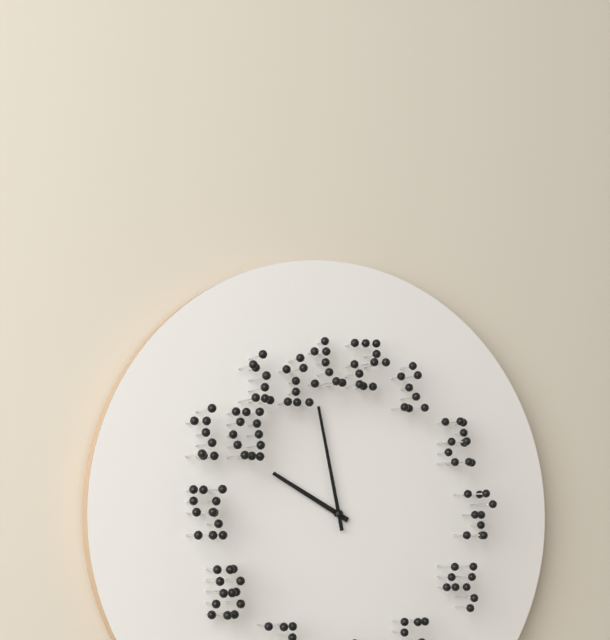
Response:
h=9 m=58
